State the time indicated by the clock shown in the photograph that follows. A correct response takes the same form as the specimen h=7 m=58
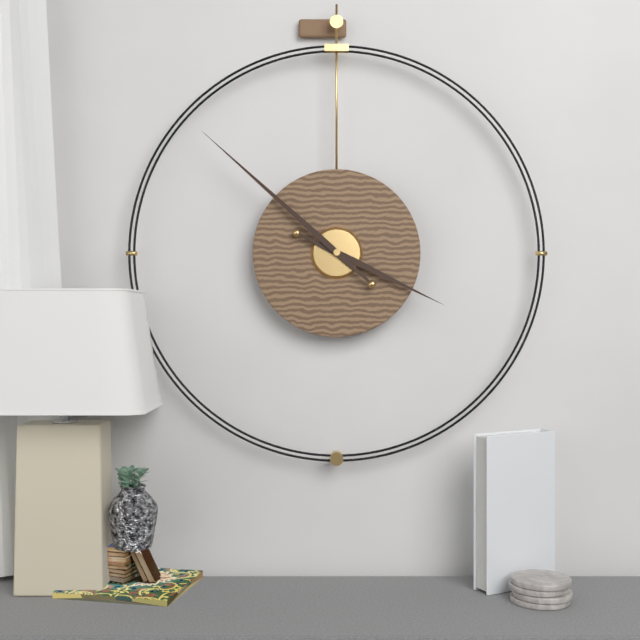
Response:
h=3 m=52
